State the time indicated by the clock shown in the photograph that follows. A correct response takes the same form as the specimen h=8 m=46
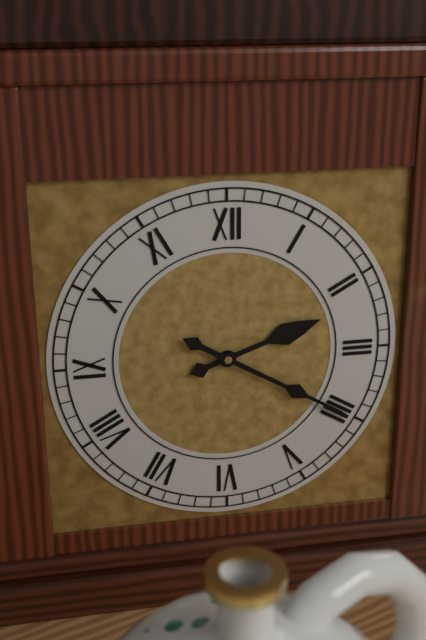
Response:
h=2 m=20
